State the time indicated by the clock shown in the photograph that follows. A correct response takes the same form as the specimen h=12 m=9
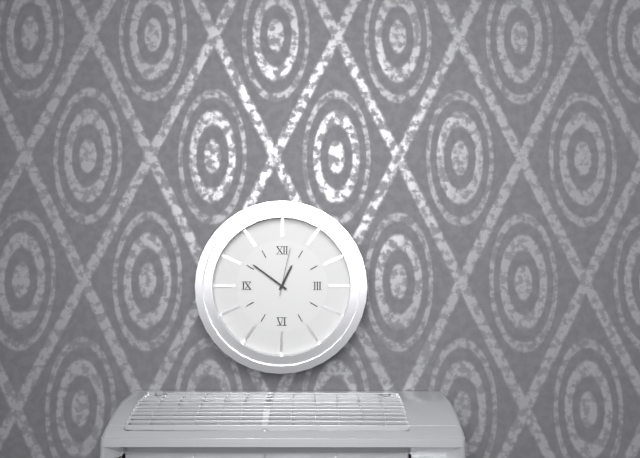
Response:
h=12 m=51
